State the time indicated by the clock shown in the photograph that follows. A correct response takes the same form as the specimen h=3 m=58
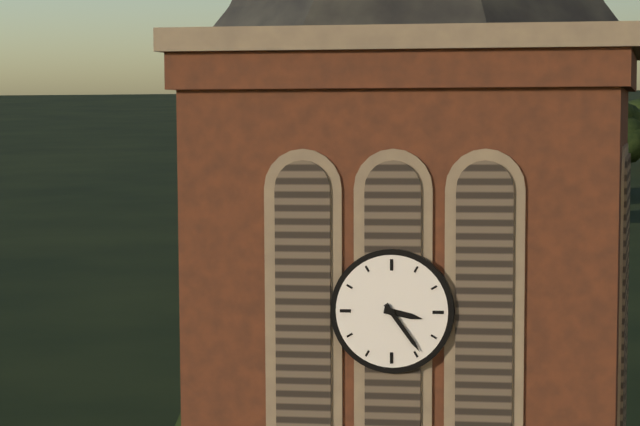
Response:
h=3 m=24
